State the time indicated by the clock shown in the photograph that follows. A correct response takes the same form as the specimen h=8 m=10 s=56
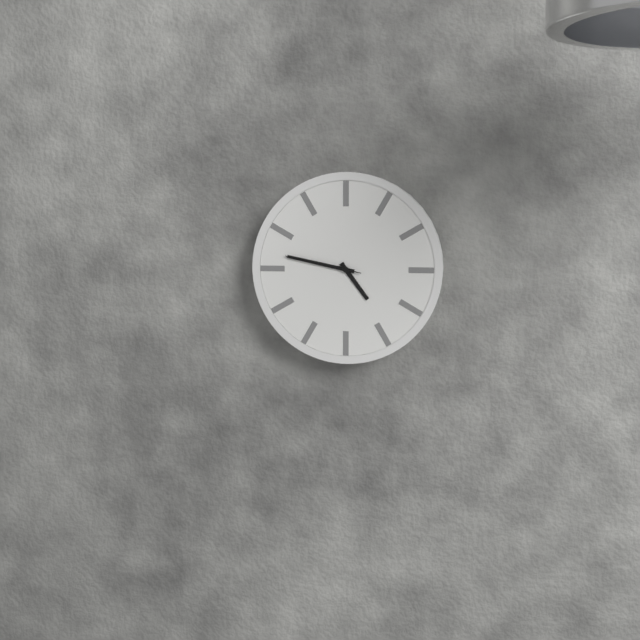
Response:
h=4 m=47 s=47
